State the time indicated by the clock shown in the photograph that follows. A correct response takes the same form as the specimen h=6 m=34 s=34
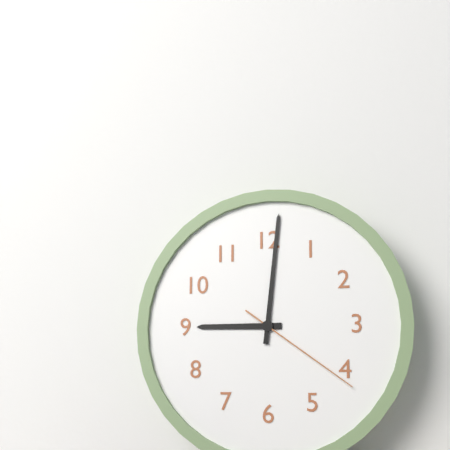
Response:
h=9 m=1 s=21
